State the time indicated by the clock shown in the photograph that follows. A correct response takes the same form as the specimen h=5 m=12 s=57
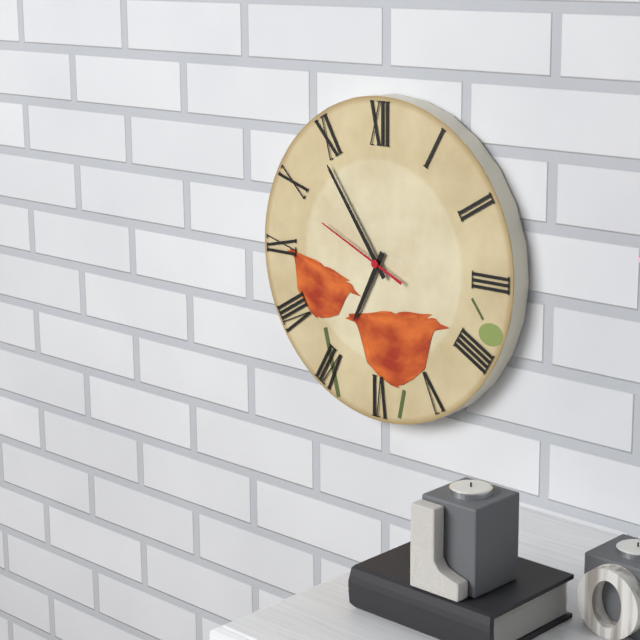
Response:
h=6 m=54 s=49
